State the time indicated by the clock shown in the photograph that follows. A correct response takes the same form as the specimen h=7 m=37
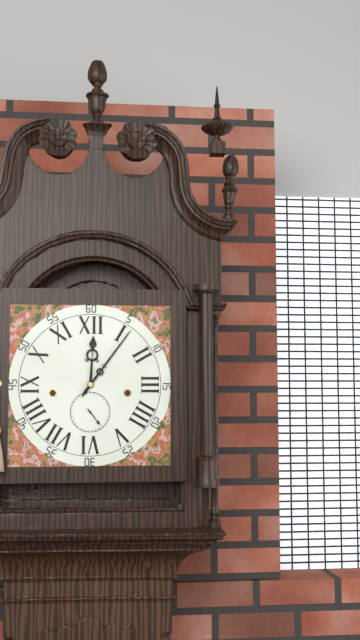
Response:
h=12 m=6
